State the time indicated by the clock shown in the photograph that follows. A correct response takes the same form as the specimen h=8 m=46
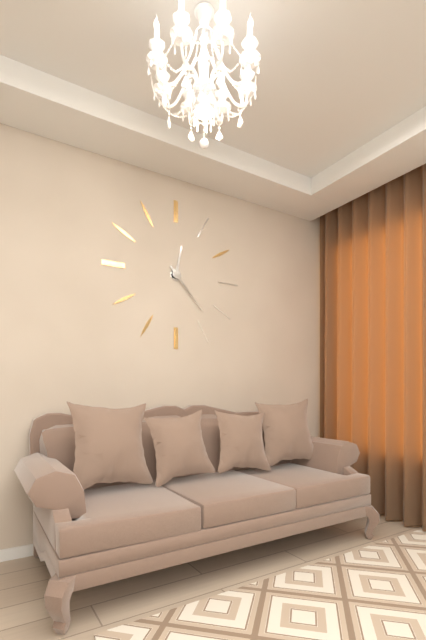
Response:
h=12 m=23
